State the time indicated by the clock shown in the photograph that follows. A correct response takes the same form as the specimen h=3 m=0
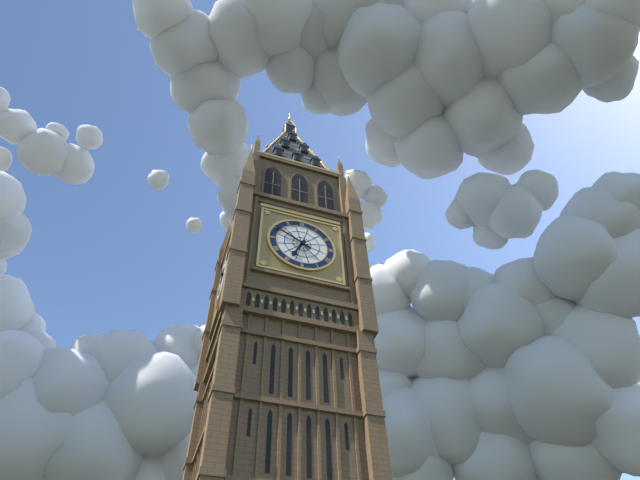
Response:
h=6 m=50
